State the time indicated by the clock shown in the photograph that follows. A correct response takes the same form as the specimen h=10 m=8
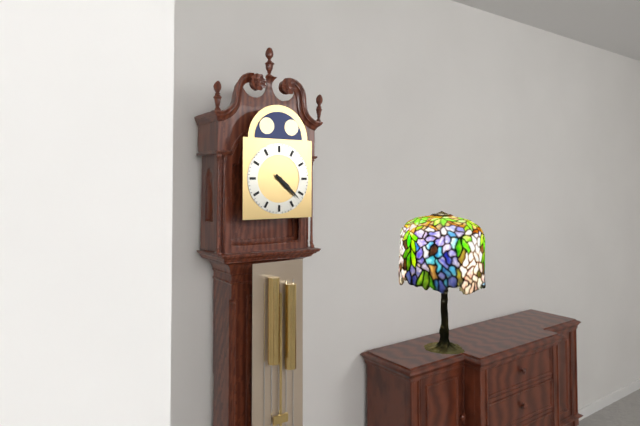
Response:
h=4 m=22
